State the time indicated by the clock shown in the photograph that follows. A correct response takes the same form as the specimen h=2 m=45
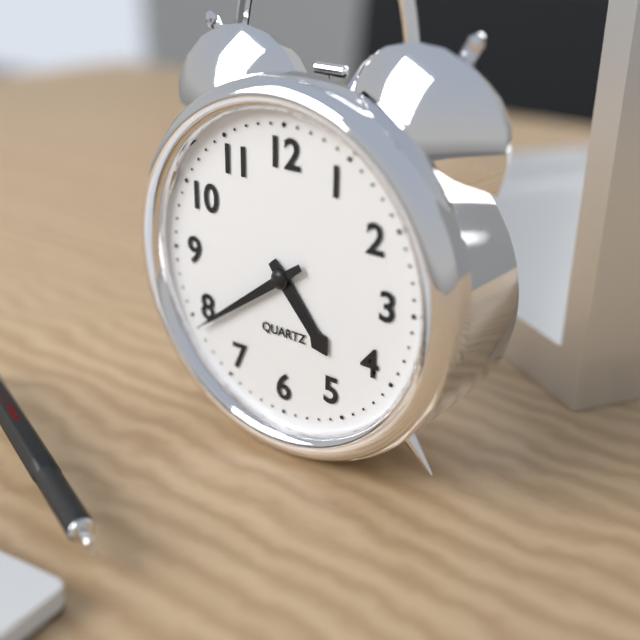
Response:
h=4 m=39
